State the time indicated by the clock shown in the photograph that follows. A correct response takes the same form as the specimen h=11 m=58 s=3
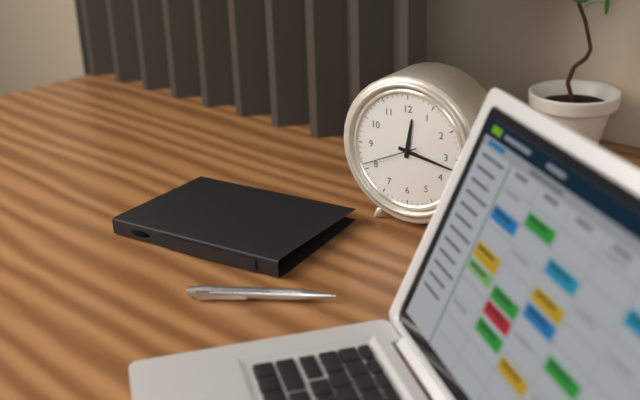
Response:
h=12 m=17 s=41
